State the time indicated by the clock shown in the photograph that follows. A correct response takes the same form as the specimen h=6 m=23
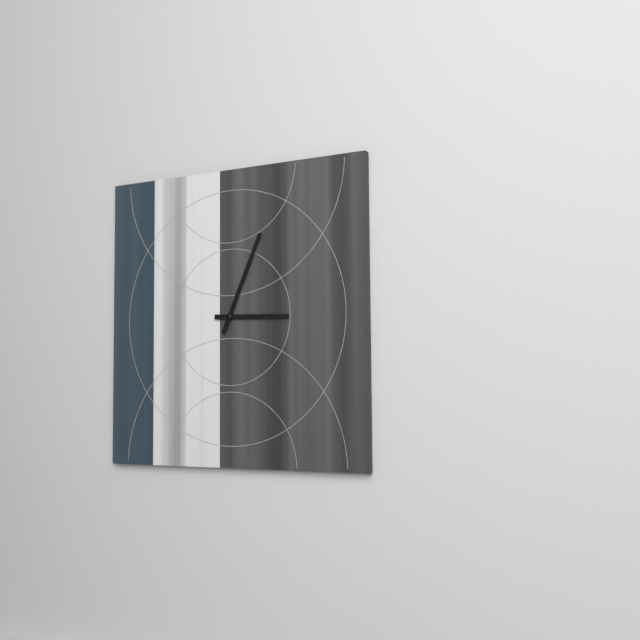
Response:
h=3 m=4
